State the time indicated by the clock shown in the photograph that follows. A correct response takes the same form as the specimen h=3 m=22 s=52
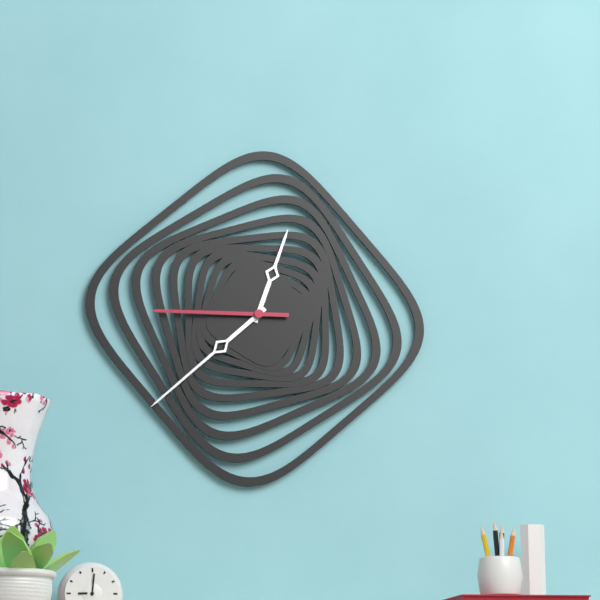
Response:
h=12 m=38 s=45
